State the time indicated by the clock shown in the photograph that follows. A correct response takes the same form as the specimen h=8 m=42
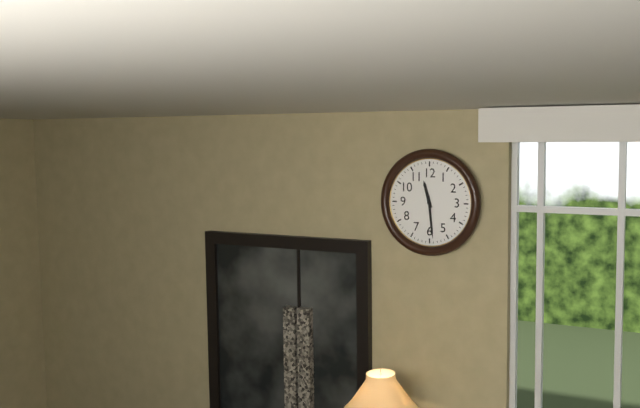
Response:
h=11 m=29
